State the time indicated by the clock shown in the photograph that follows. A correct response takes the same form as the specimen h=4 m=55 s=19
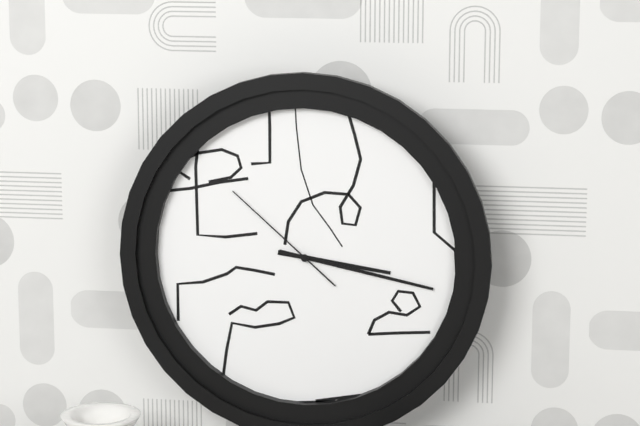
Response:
h=3 m=17 s=52
